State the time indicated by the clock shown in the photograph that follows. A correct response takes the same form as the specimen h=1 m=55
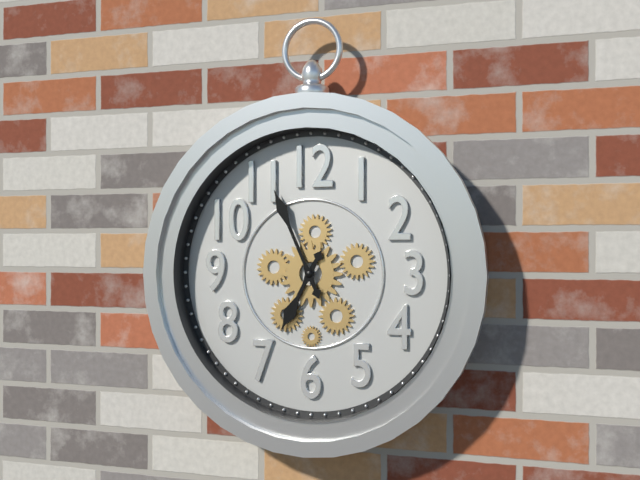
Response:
h=6 m=56
